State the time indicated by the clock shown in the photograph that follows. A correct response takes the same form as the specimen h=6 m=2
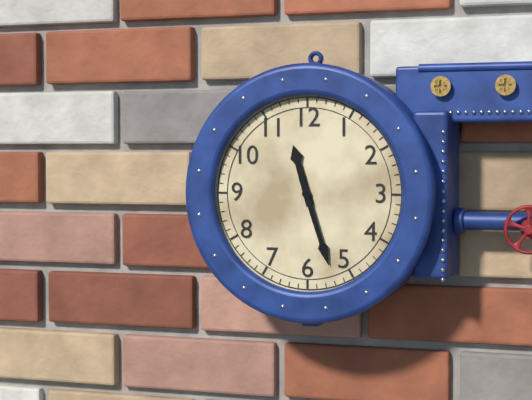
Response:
h=11 m=27
